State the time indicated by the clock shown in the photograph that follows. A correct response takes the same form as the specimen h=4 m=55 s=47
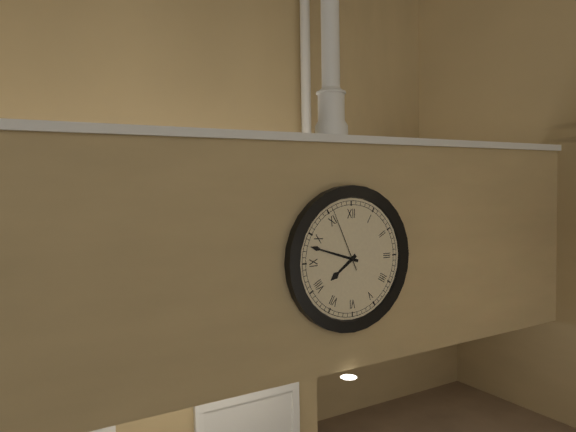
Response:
h=7 m=48 s=56
